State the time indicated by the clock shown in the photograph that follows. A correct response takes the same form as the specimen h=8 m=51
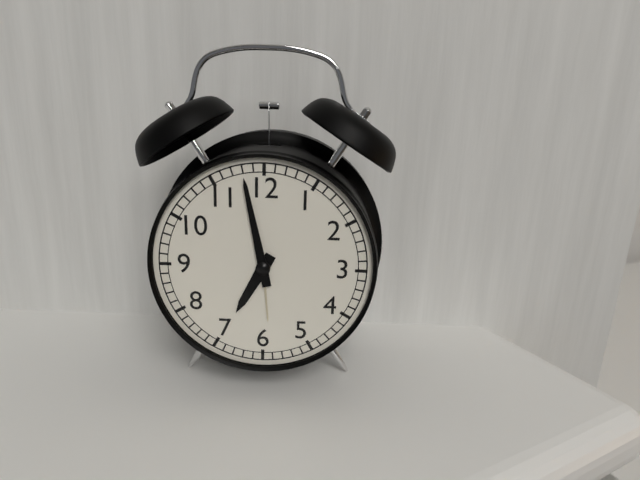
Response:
h=6 m=58
